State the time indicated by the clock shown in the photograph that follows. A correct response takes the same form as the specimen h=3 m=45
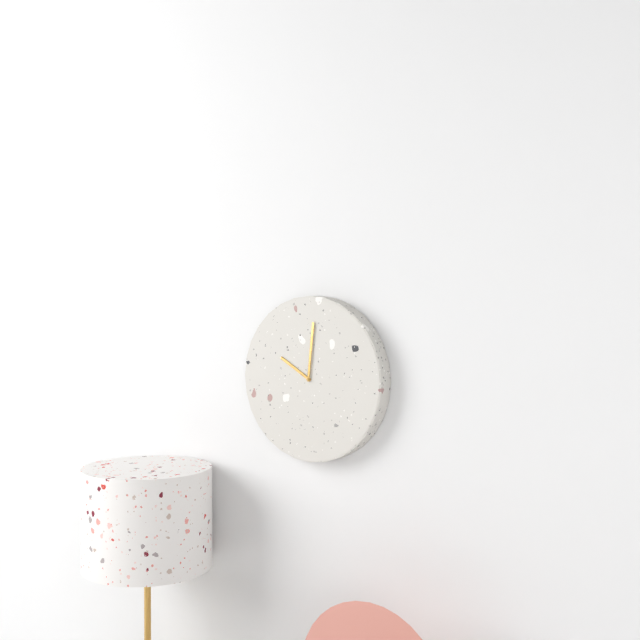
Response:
h=10 m=1
